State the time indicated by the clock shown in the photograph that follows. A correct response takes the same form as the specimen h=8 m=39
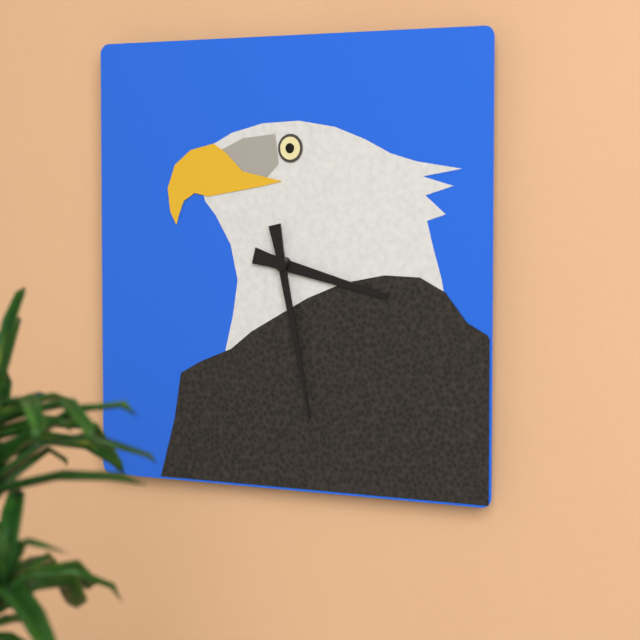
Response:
h=3 m=28
